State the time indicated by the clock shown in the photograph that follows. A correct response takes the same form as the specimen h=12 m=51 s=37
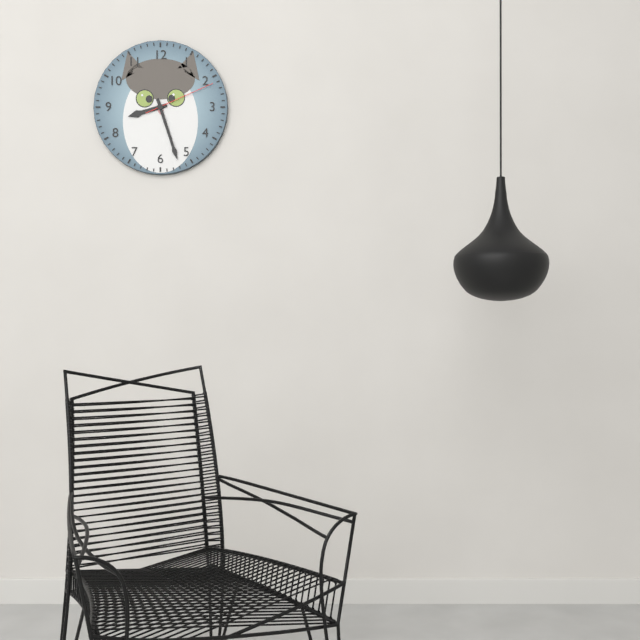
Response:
h=8 m=27 s=11
